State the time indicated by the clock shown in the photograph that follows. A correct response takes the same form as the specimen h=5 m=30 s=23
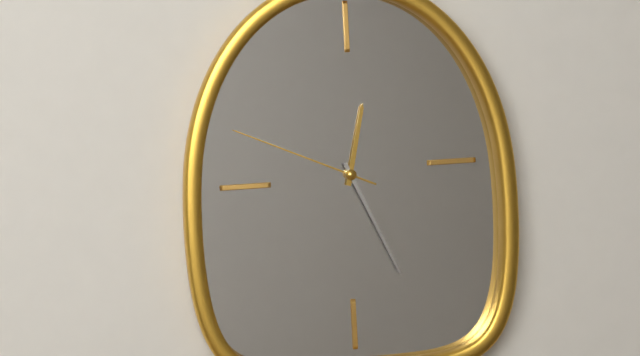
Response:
h=12 m=26 s=49
